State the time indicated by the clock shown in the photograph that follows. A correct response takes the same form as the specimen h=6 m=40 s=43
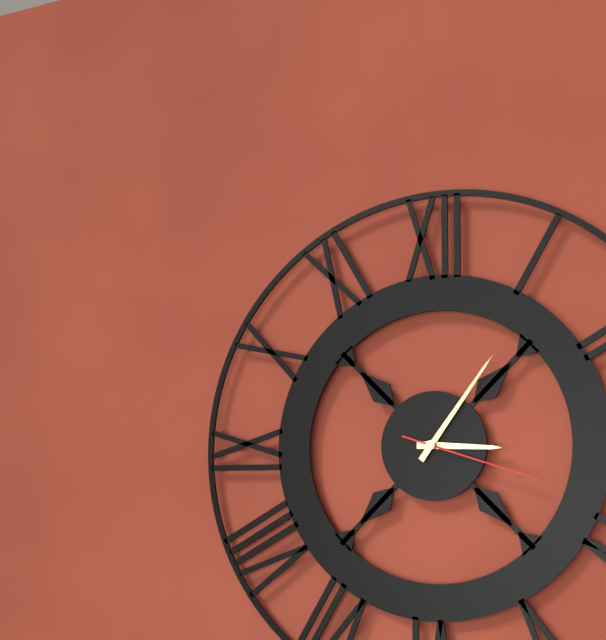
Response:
h=3 m=6 s=18
